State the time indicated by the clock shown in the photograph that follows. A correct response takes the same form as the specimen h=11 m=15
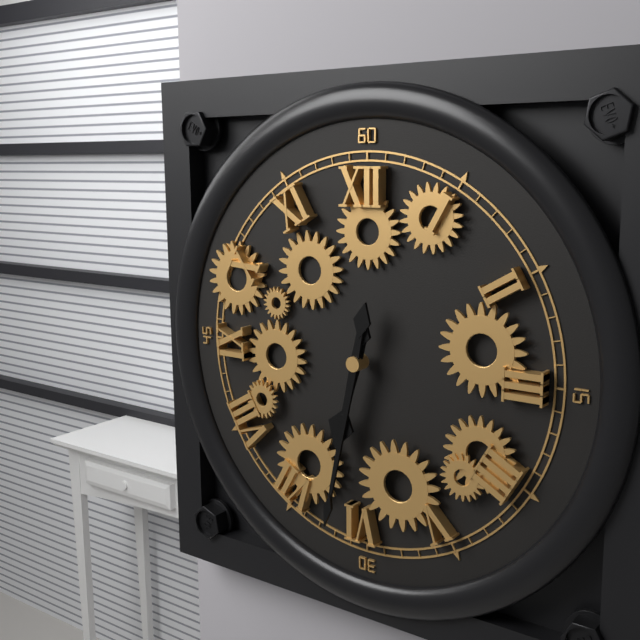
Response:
h=6 m=32
